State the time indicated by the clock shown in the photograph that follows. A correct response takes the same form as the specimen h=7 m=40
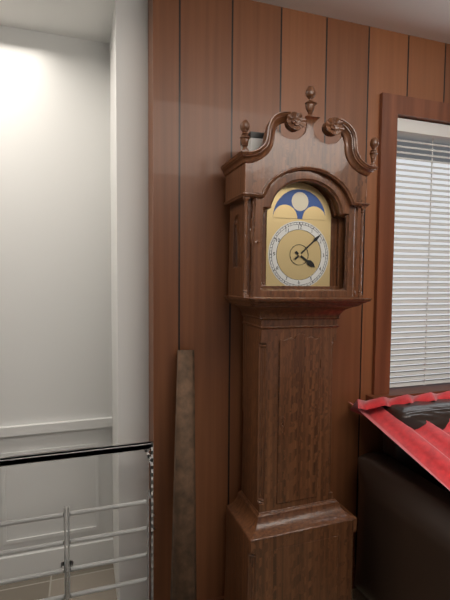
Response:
h=4 m=8
